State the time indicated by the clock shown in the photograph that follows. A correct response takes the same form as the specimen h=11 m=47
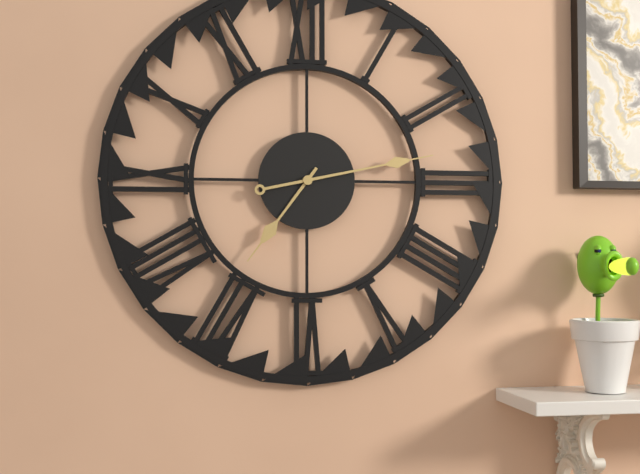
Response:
h=7 m=13
